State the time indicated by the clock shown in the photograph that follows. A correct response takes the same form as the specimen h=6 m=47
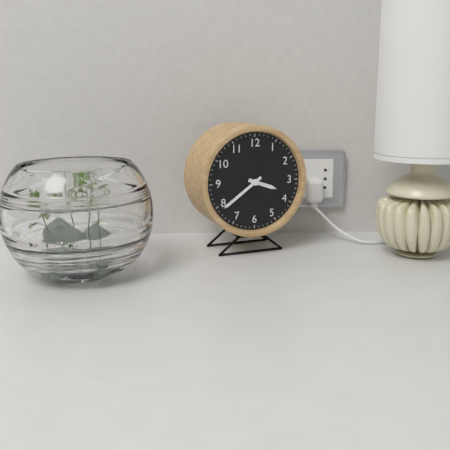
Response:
h=3 m=39
